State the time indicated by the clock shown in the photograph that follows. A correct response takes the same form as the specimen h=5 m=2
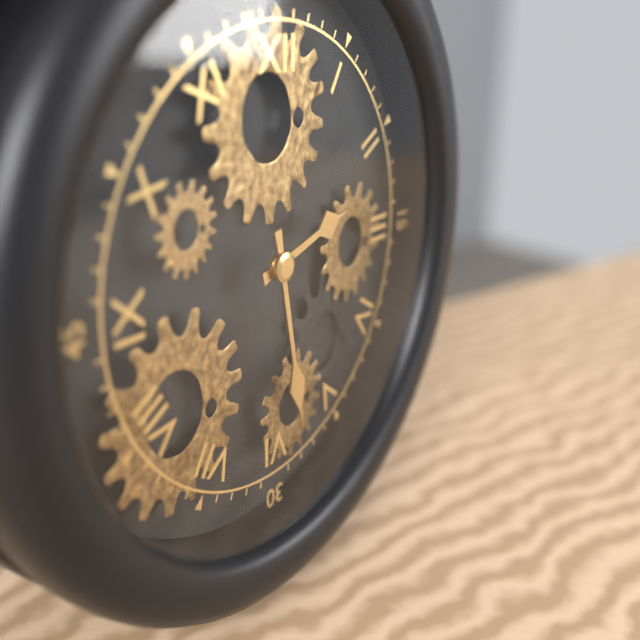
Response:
h=2 m=28
